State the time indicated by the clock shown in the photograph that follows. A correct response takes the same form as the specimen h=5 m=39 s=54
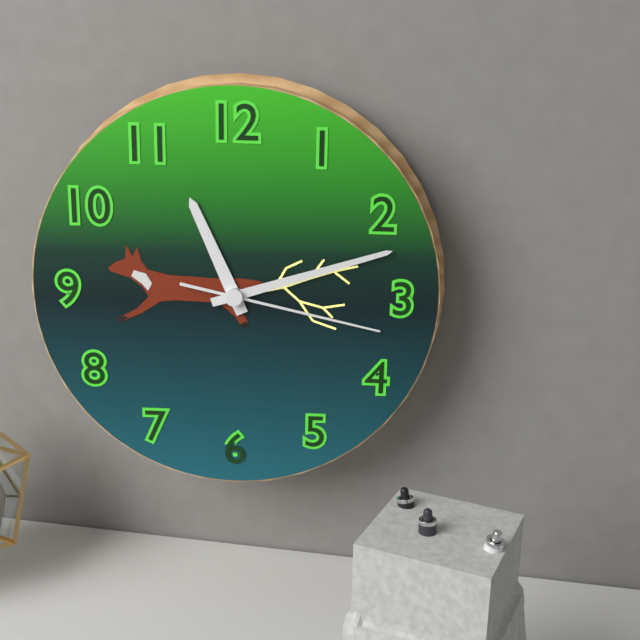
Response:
h=11 m=12 s=17
